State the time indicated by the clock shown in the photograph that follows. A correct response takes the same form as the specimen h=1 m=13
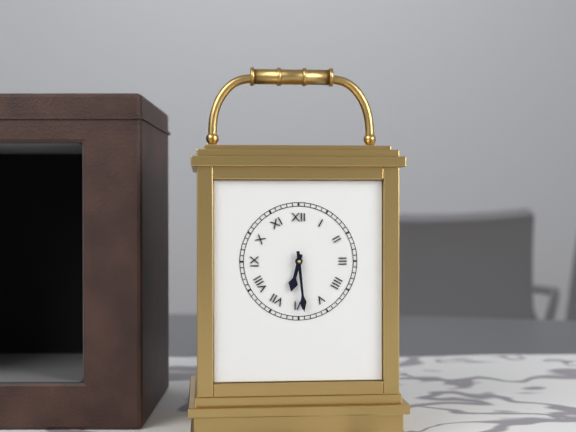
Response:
h=6 m=29
